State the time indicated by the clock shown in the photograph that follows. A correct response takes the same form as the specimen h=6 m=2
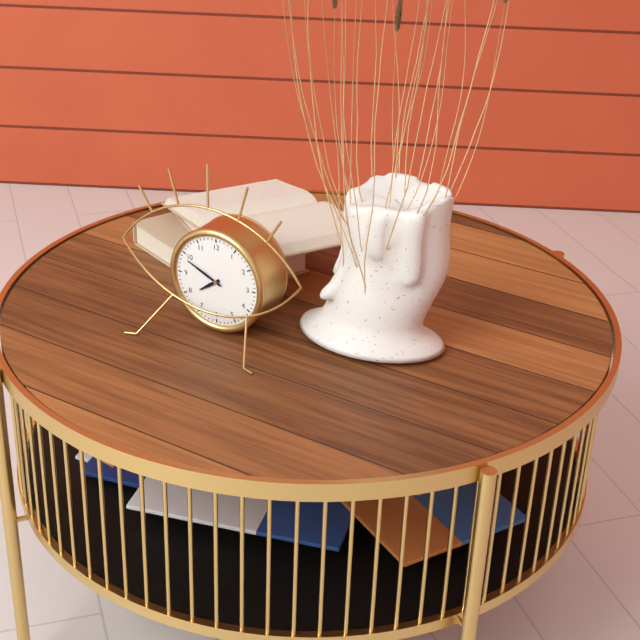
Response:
h=7 m=49
